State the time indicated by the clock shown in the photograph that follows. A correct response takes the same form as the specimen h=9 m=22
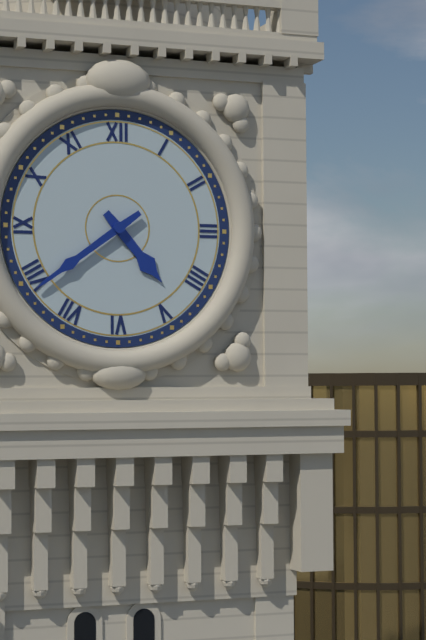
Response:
h=4 m=39
